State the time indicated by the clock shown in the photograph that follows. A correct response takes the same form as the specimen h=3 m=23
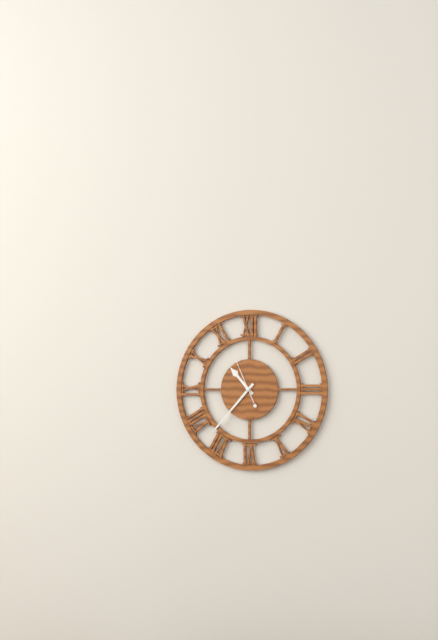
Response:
h=10 m=37
